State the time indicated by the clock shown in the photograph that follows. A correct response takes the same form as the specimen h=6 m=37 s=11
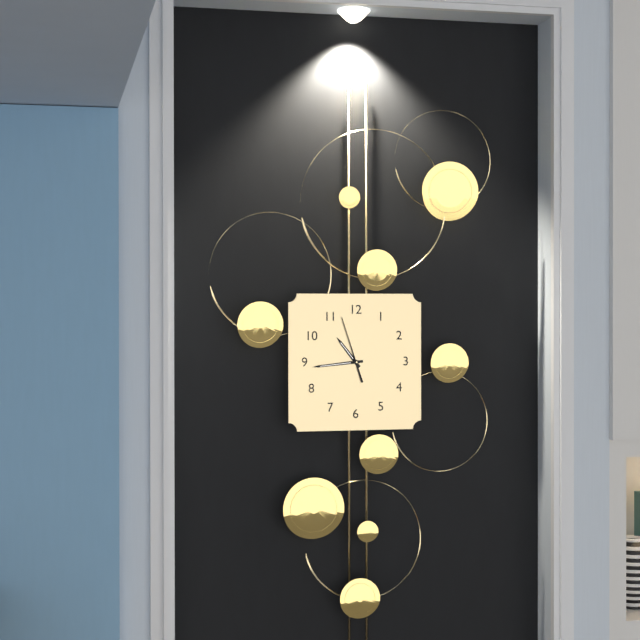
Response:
h=10 m=44 s=57
